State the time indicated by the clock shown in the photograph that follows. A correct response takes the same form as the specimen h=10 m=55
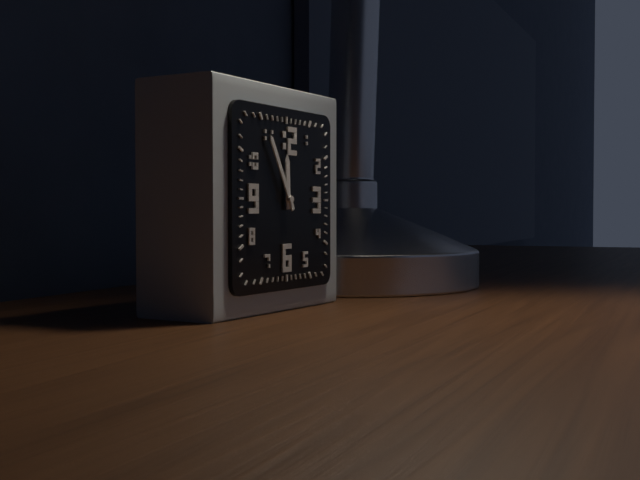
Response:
h=11 m=55
